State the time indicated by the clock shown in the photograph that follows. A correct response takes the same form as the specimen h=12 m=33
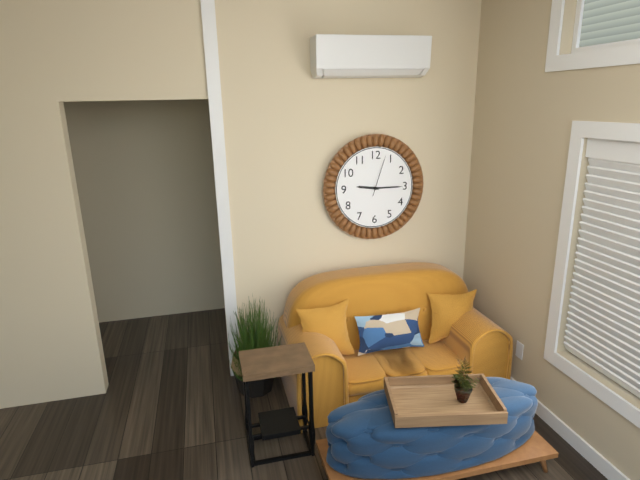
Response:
h=9 m=15
